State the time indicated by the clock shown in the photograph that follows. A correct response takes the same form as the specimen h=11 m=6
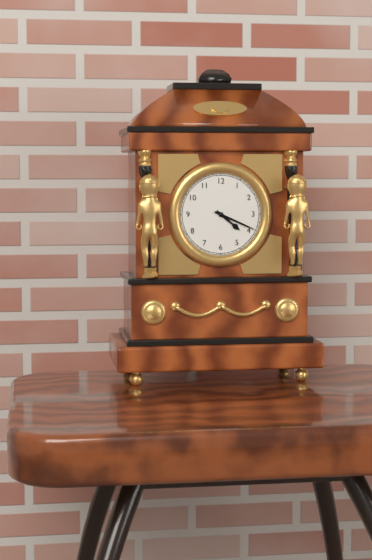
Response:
h=4 m=19
